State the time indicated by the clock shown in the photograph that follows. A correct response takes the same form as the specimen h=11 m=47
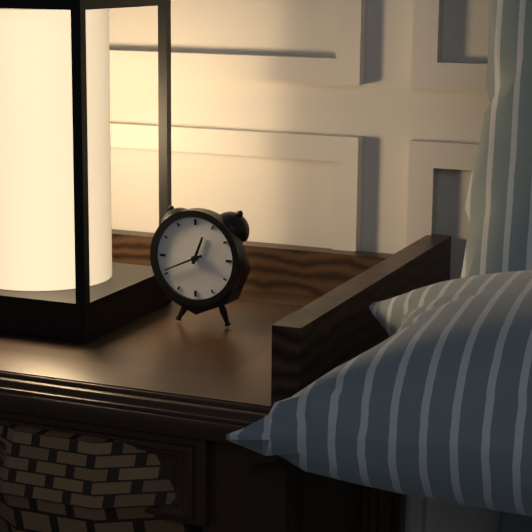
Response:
h=12 m=41
